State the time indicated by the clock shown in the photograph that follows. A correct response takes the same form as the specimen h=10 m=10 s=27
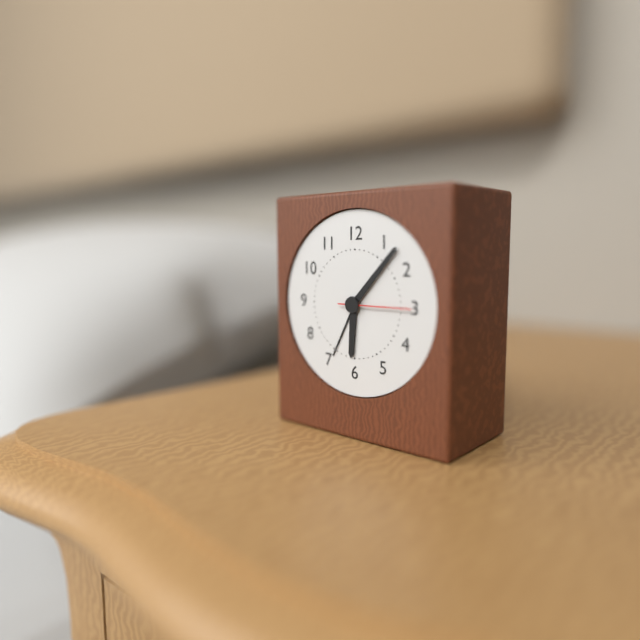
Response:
h=6 m=7 s=15
